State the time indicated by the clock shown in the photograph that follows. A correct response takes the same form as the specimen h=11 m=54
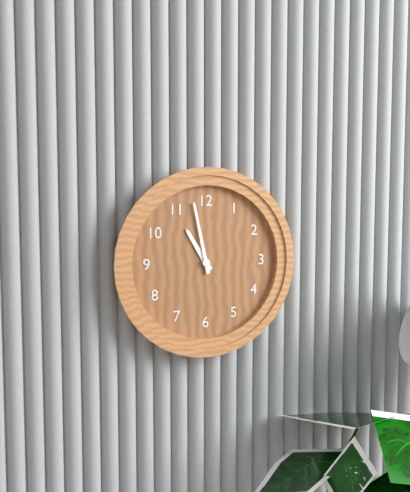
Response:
h=10 m=58
